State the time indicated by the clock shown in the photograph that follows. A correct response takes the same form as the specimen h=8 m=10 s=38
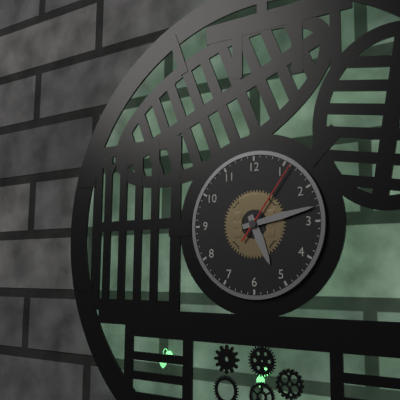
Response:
h=5 m=13 s=6
